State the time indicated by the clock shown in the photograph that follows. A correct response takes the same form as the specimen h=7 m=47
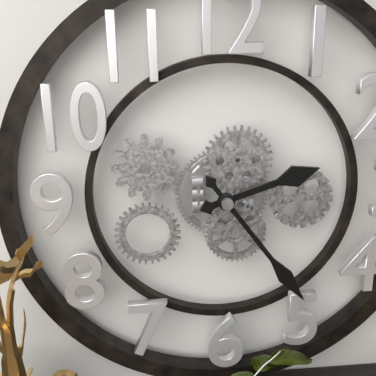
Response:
h=2 m=24
